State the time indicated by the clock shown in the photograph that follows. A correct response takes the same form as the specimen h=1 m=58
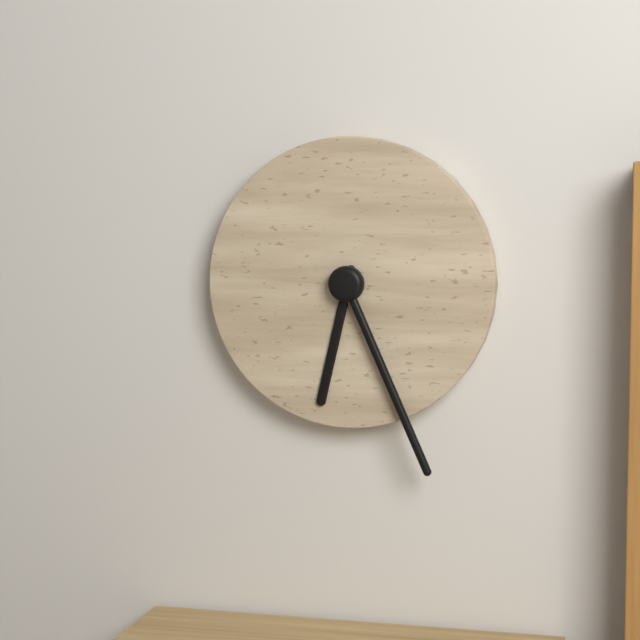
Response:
h=6 m=26
